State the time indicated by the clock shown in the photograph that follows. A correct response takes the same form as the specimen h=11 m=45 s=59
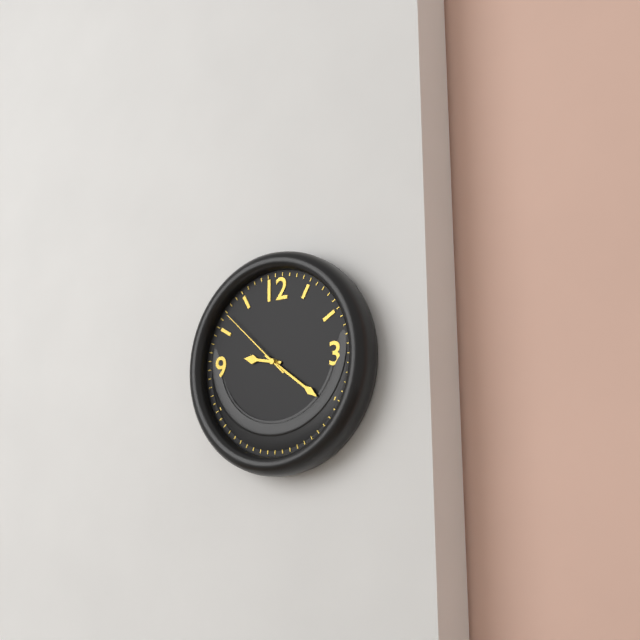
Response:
h=9 m=21 s=52
